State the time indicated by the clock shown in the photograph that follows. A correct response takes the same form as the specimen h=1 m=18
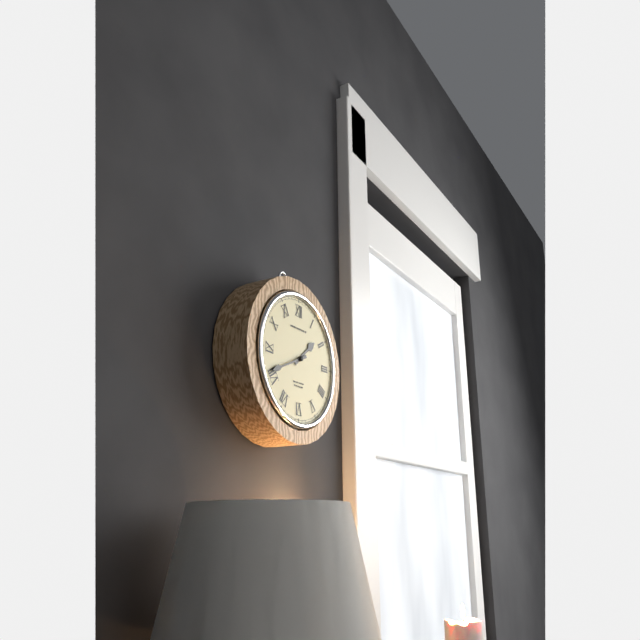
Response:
h=1 m=41
